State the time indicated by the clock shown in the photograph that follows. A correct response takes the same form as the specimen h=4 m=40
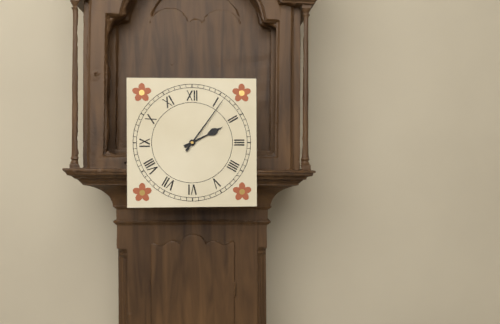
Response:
h=2 m=6
